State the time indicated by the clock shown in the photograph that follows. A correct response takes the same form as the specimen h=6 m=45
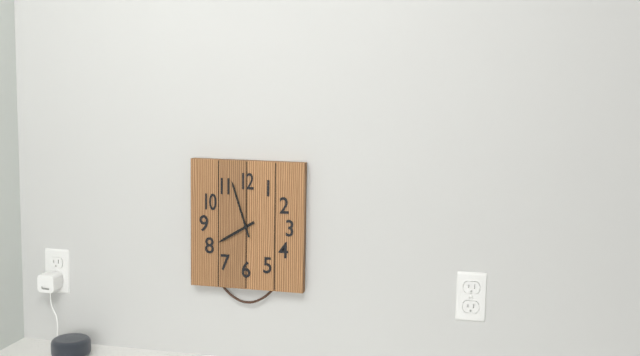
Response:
h=7 m=57
